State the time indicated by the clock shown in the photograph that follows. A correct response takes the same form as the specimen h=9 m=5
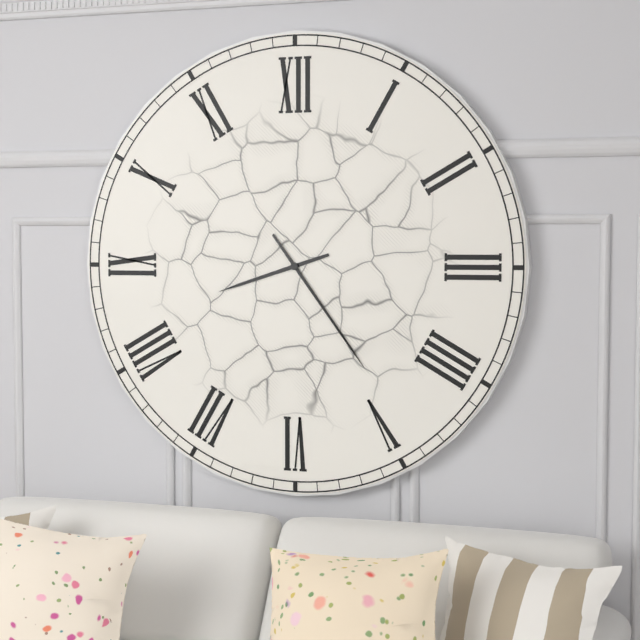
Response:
h=8 m=24
